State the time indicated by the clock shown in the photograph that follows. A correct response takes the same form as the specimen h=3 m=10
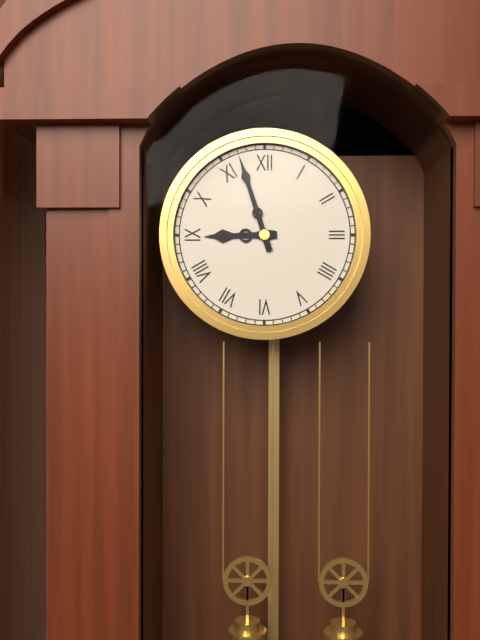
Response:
h=8 m=57
